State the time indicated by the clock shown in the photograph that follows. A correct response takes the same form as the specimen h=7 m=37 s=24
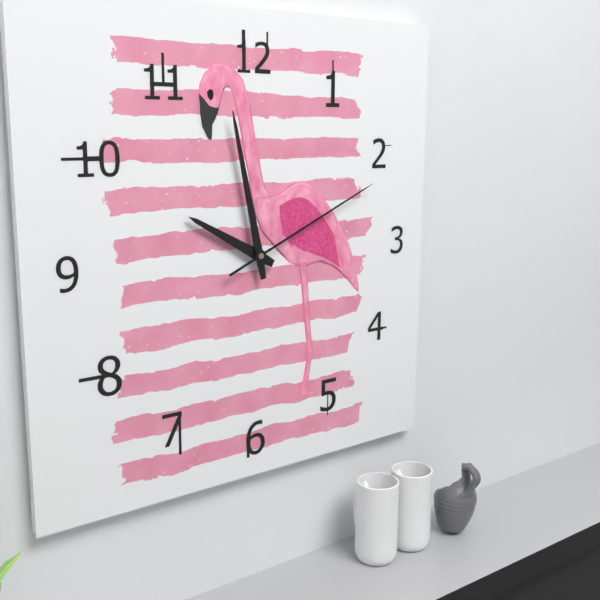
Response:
h=9 m=58 s=11
